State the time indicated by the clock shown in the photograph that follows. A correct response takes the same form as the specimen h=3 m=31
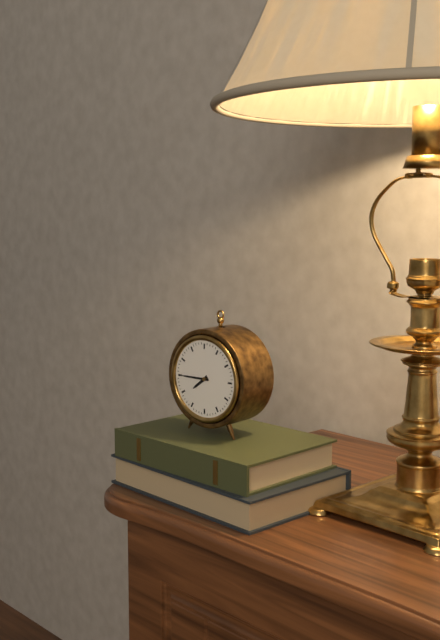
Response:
h=7 m=45
